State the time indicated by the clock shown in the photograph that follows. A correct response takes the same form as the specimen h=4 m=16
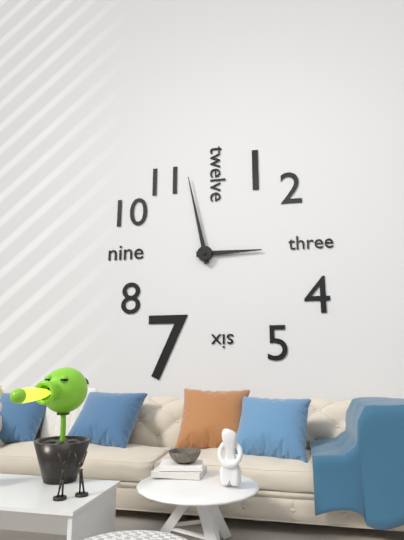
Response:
h=2 m=58
